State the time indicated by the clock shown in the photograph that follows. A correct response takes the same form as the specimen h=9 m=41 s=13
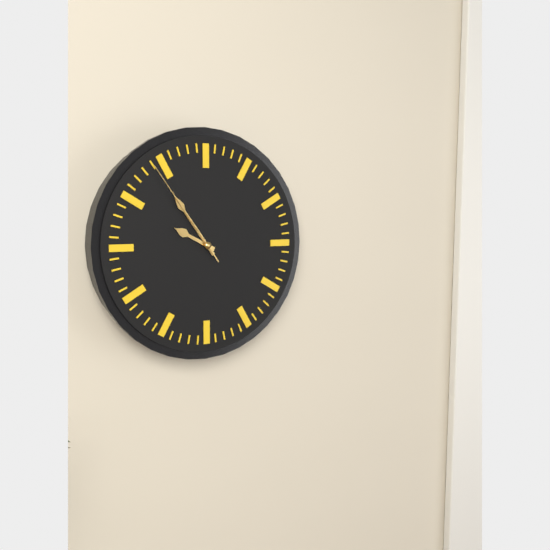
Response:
h=9 m=54 s=54
